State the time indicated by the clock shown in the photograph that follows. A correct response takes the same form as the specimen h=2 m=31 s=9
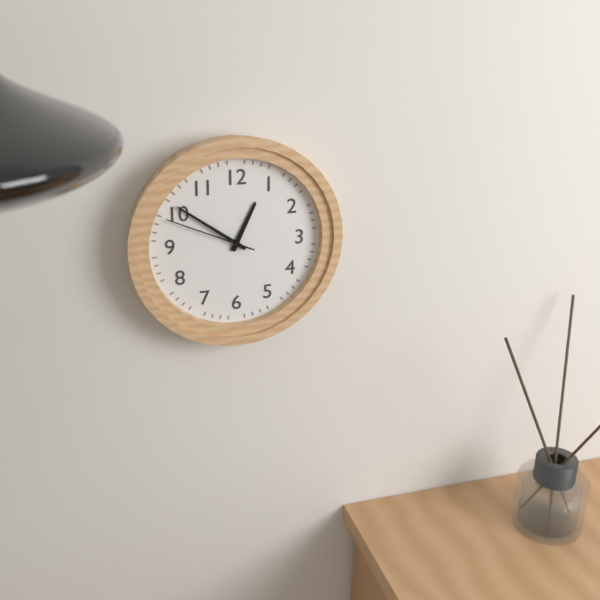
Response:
h=12 m=51 s=49
